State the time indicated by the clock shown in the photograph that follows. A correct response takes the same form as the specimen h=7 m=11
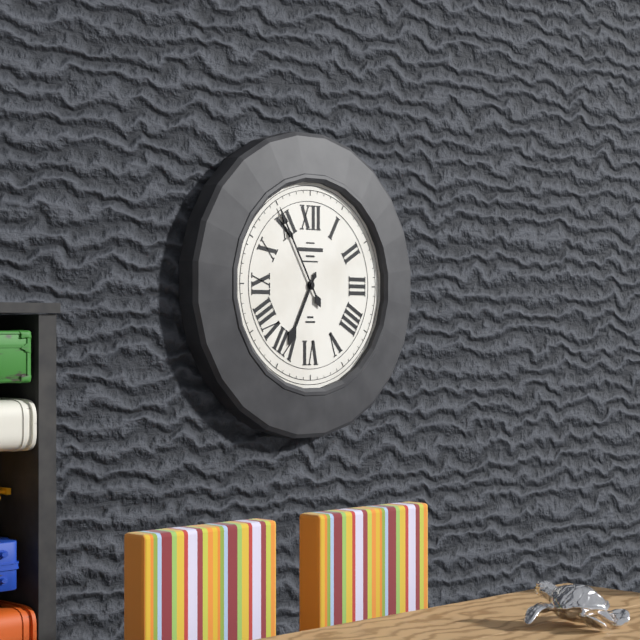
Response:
h=6 m=55
